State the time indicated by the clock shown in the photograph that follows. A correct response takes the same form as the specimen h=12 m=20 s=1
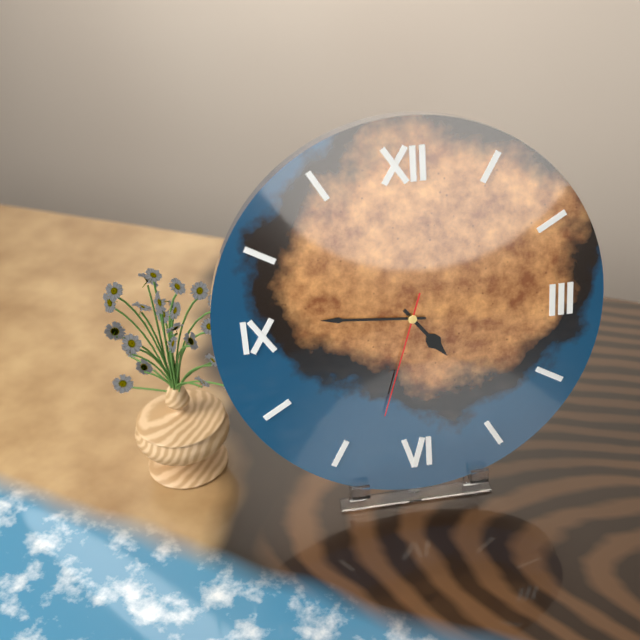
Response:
h=4 m=46 s=33
